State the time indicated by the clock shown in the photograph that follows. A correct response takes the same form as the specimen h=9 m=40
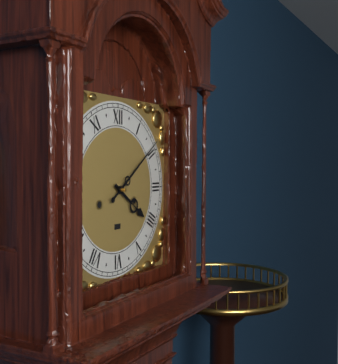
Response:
h=4 m=9
